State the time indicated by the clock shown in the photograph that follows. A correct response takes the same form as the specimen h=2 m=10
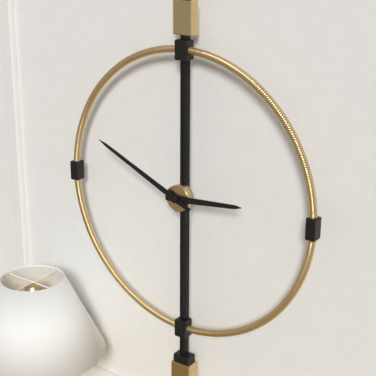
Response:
h=2 m=49
